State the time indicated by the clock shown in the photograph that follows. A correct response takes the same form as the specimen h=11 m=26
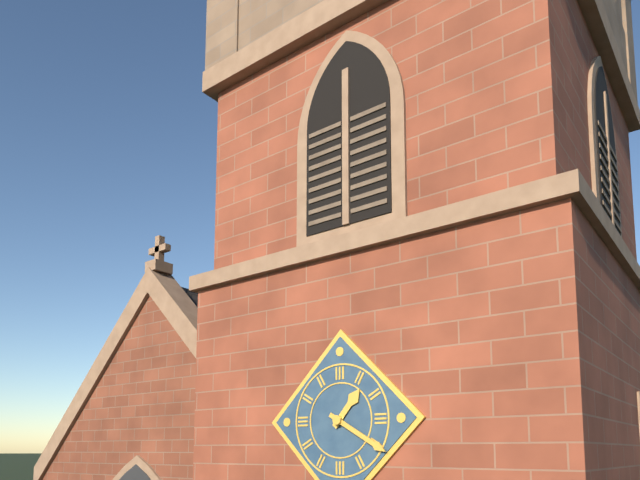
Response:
h=1 m=20
